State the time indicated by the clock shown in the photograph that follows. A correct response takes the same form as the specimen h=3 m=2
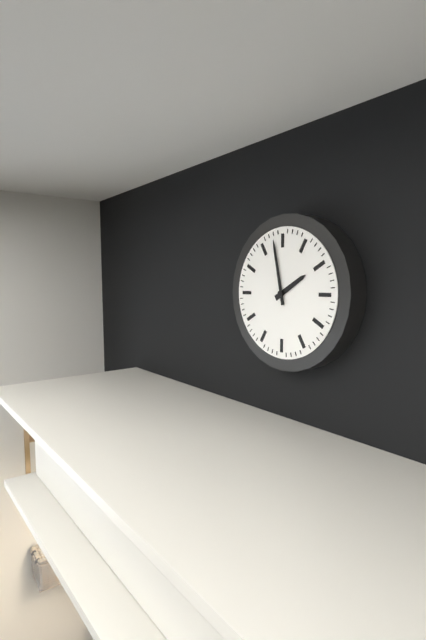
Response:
h=1 m=58
